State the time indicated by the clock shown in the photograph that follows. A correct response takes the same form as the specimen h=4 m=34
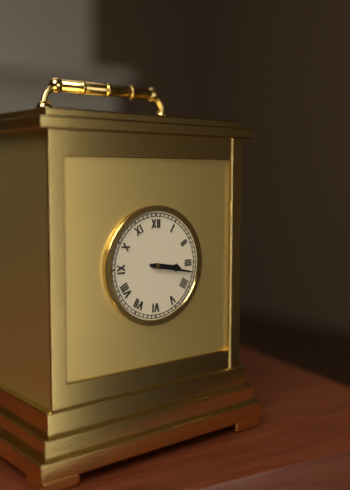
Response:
h=3 m=17
